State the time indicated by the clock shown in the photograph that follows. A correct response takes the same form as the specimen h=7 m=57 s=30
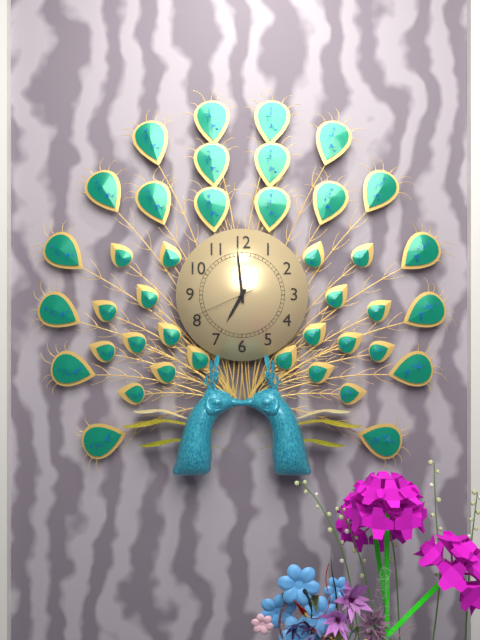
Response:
h=6 m=59 s=41
